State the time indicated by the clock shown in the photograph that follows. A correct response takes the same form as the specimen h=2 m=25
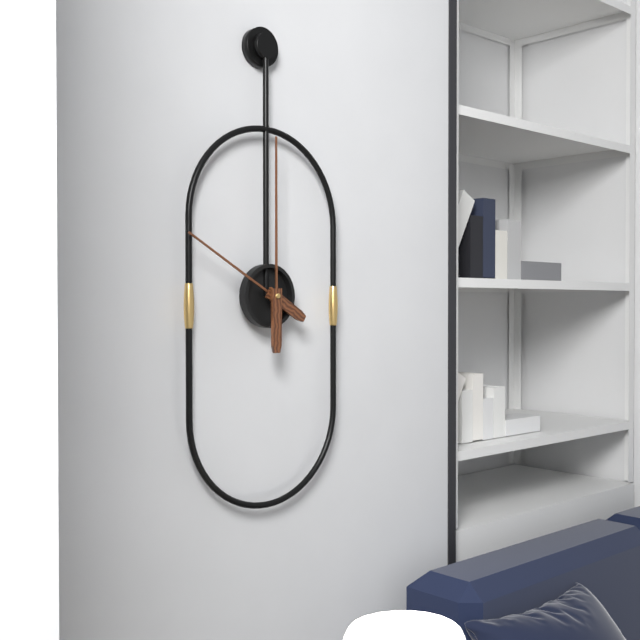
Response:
h=10 m=0
